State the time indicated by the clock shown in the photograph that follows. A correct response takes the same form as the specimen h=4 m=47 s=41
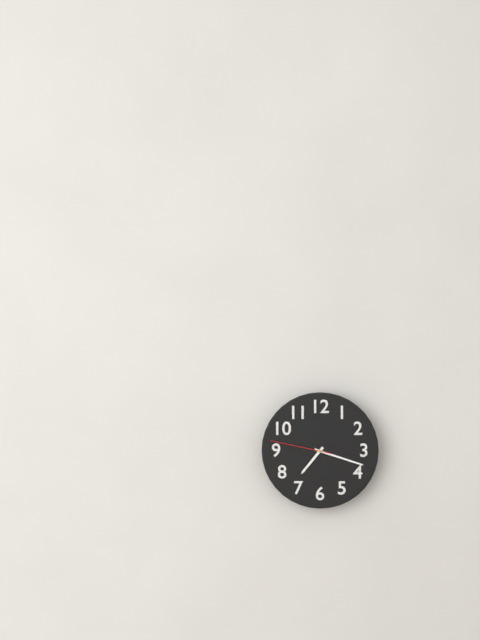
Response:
h=7 m=18 s=47
